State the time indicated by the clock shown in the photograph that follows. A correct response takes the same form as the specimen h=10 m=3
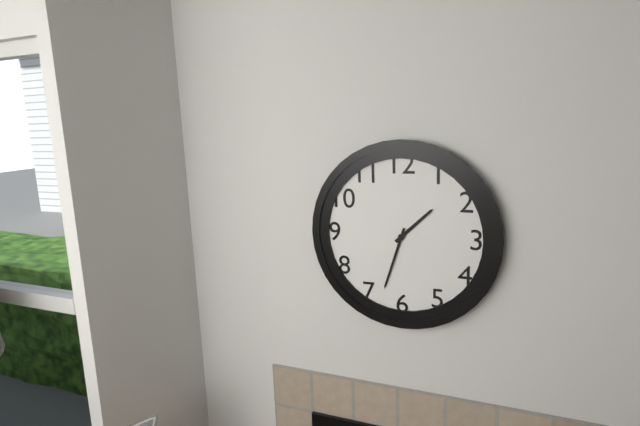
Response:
h=1 m=33
